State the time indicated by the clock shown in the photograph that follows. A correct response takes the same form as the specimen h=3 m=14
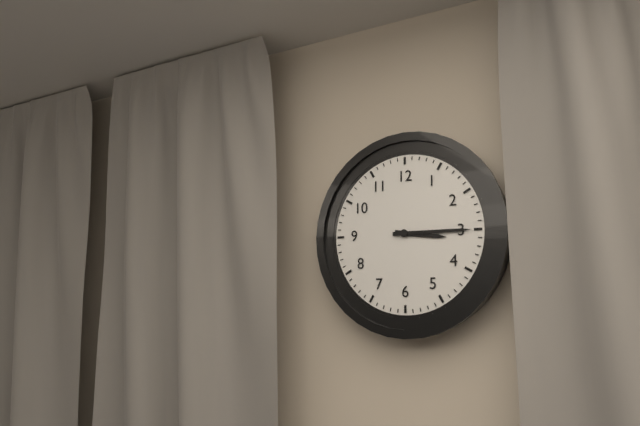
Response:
h=3 m=15
